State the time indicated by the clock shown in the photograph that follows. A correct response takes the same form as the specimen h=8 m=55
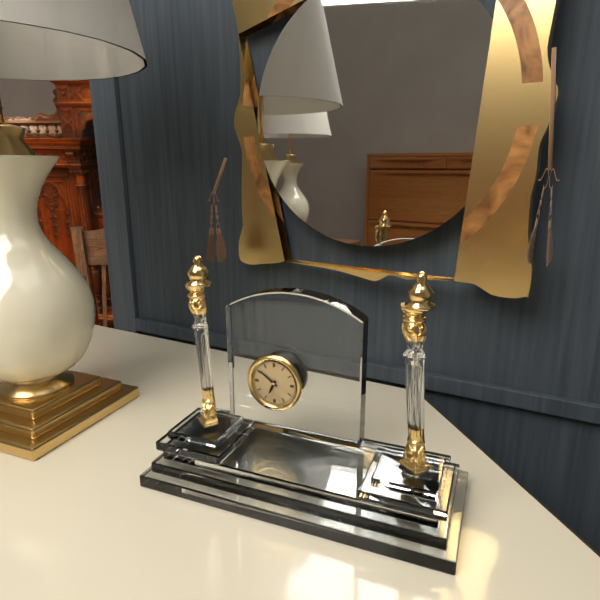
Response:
h=6 m=51
